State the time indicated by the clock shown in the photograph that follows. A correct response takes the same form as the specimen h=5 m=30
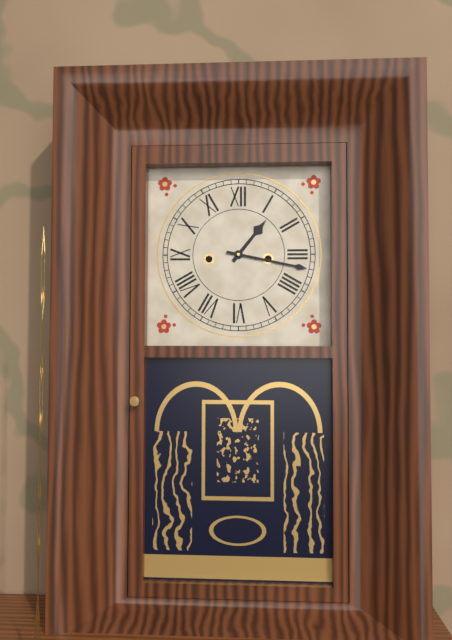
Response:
h=1 m=17
